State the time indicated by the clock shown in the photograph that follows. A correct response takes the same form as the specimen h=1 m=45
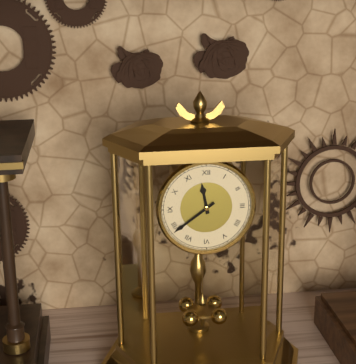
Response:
h=11 m=39
